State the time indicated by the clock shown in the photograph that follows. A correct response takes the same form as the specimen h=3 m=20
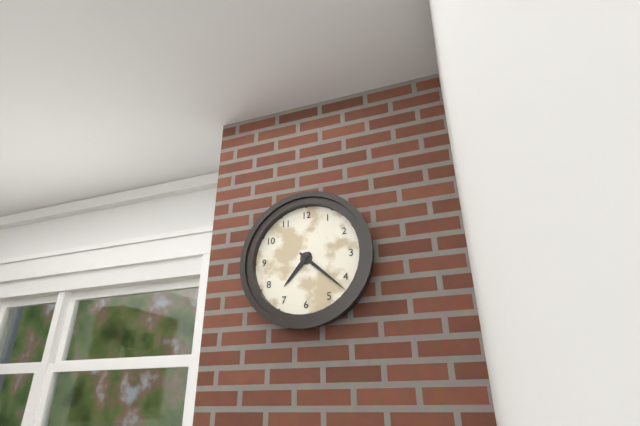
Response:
h=7 m=22
